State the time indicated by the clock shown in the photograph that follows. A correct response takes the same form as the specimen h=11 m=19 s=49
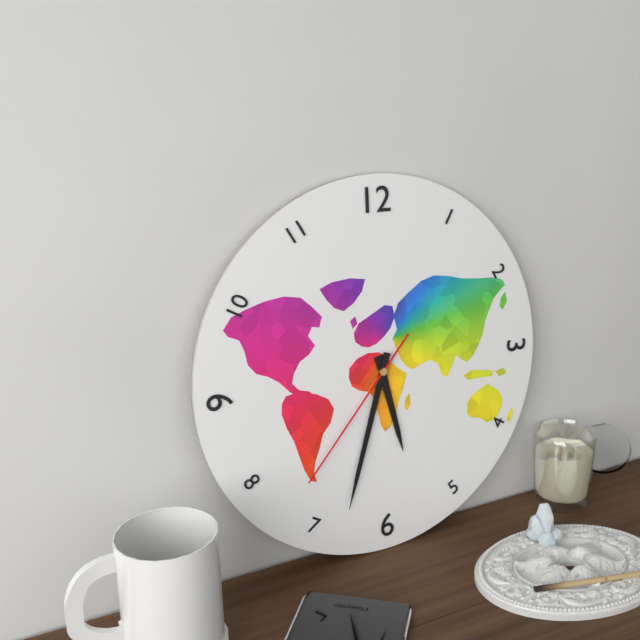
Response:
h=5 m=33 s=37
